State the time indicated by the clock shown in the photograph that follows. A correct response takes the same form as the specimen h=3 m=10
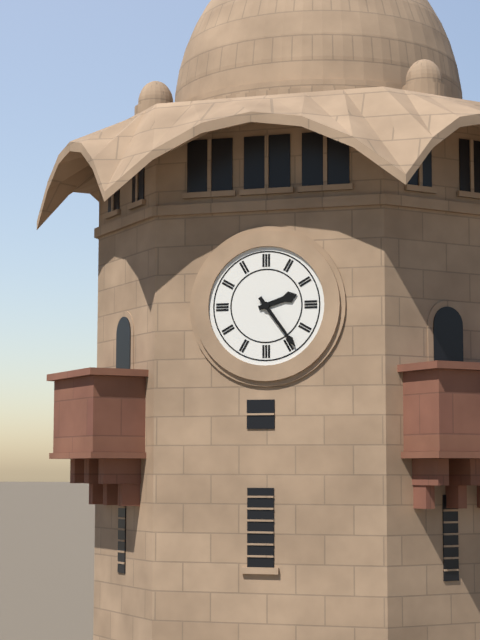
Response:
h=2 m=24
